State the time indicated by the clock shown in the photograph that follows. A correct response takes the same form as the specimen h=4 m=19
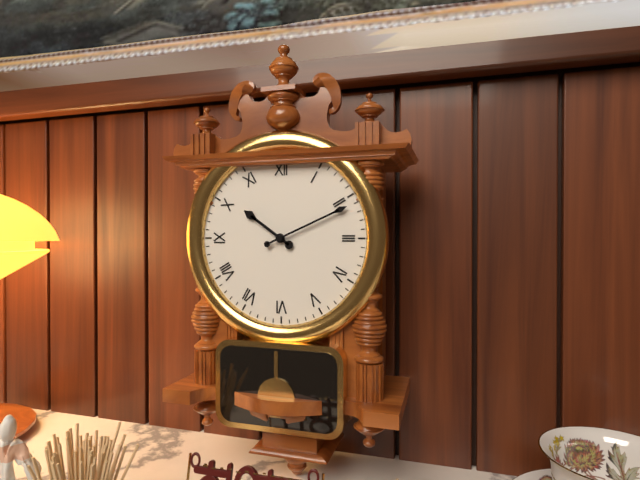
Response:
h=10 m=11
